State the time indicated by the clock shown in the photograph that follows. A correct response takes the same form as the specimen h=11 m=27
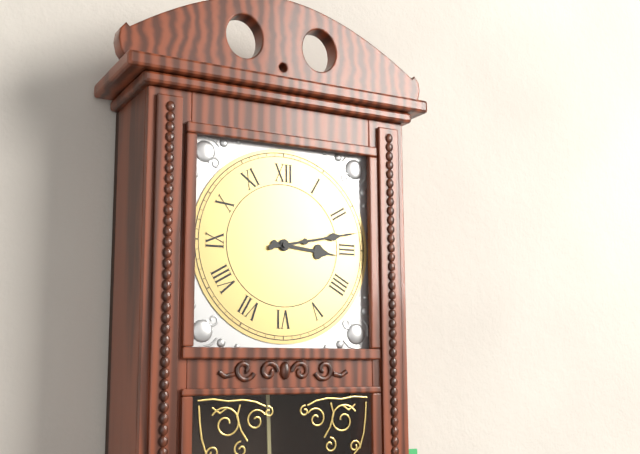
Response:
h=3 m=13
